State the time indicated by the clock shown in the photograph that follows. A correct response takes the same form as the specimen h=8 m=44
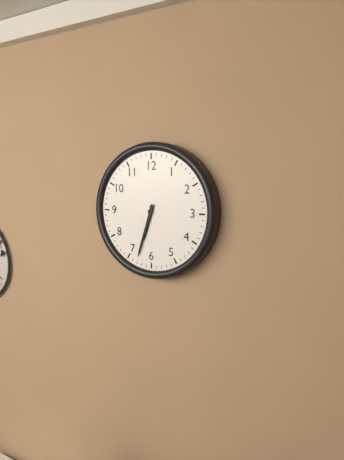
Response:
h=6 m=33
